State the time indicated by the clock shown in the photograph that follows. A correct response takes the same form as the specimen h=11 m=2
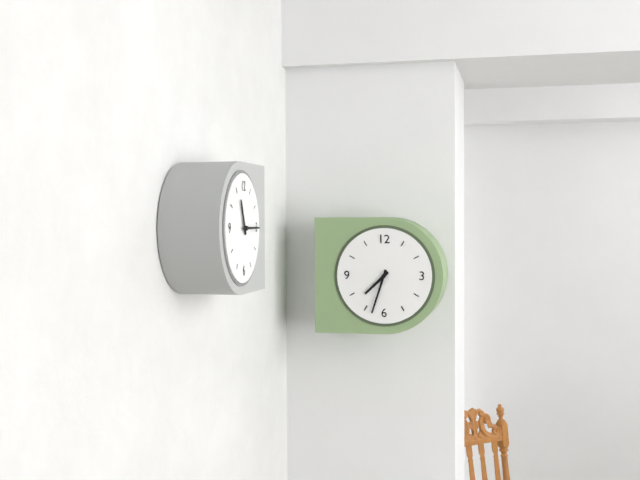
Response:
h=7 m=33
